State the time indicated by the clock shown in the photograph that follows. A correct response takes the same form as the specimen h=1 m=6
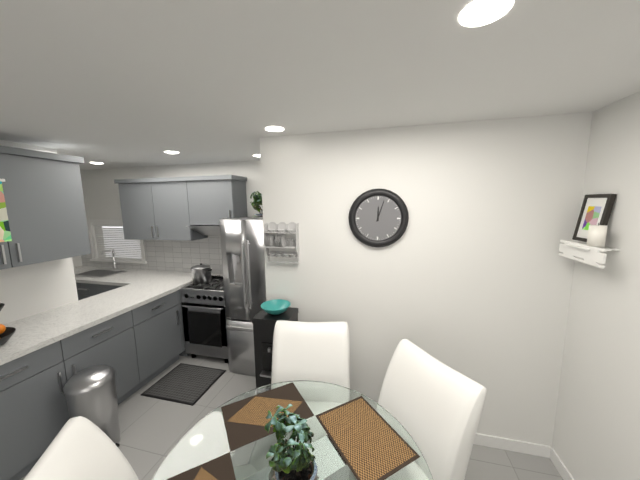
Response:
h=12 m=3
